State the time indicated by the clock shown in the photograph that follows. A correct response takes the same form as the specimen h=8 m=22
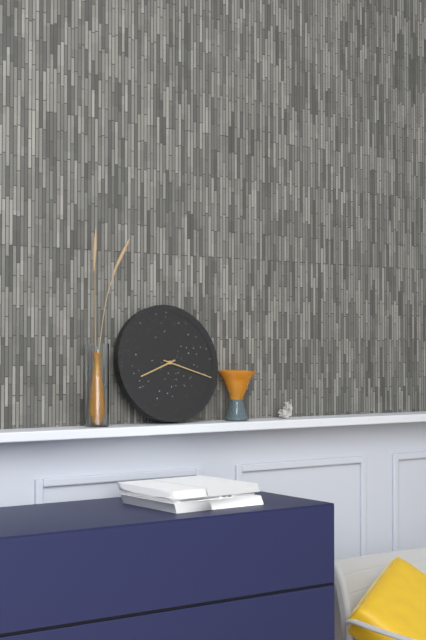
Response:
h=8 m=18
